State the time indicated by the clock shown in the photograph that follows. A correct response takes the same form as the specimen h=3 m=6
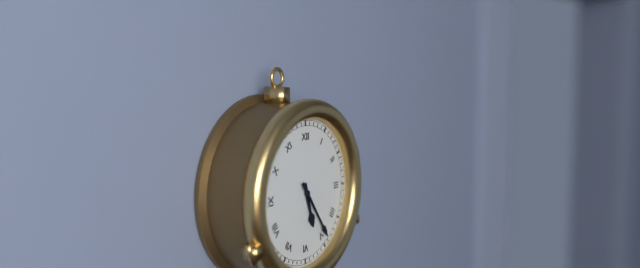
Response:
h=5 m=24
